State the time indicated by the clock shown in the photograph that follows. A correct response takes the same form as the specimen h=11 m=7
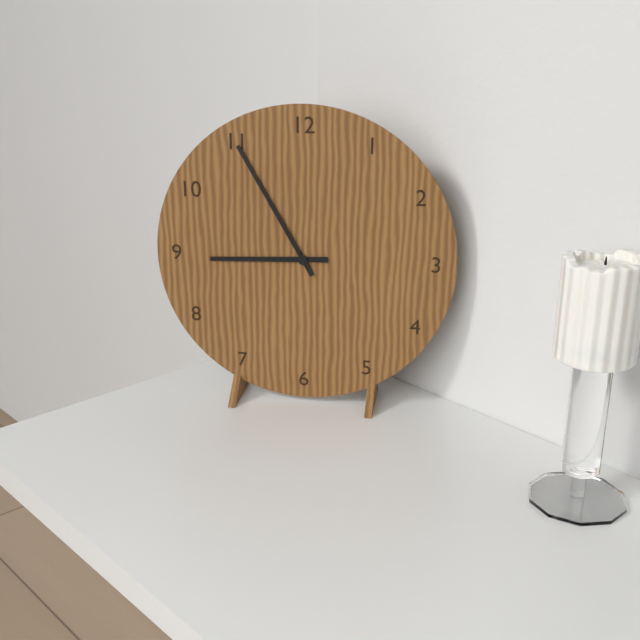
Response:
h=8 m=55
